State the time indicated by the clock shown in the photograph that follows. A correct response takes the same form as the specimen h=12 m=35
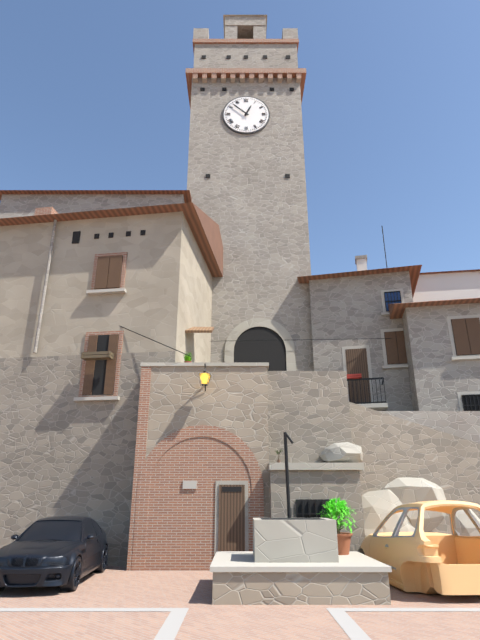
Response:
h=12 m=52
